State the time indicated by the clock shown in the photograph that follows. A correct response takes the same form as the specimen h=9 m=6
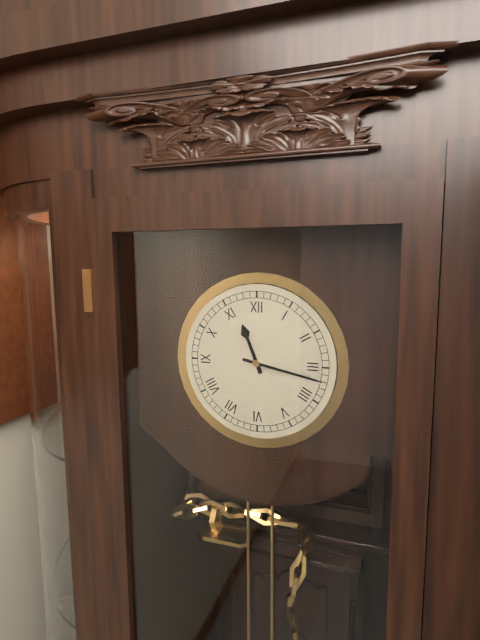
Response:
h=11 m=17
